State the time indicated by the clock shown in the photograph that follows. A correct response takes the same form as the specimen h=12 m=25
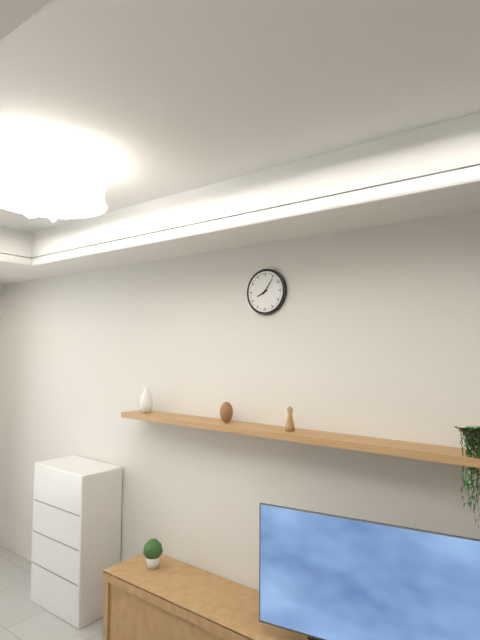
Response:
h=8 m=6
